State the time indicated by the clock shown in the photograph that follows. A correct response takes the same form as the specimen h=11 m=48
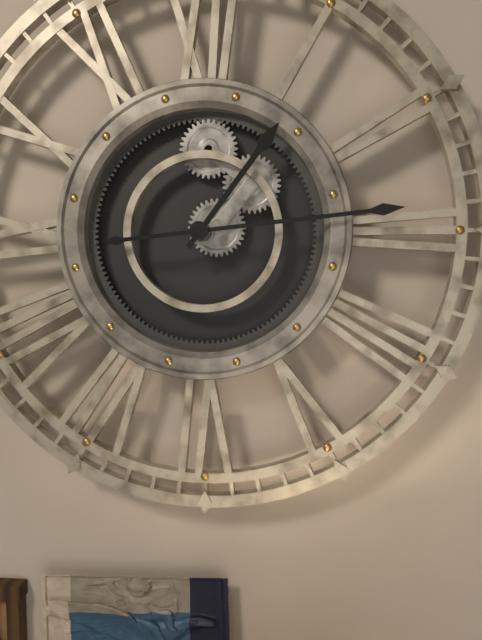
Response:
h=1 m=14
